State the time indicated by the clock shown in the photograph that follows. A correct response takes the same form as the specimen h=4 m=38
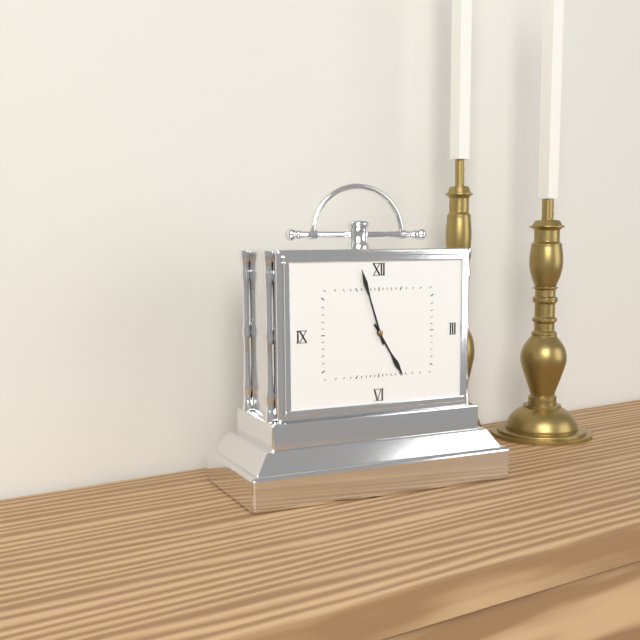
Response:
h=4 m=57
